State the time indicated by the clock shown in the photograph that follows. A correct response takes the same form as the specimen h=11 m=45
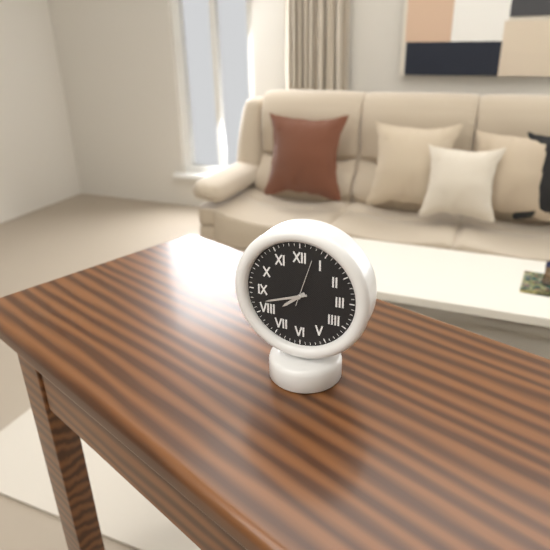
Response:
h=7 m=42
